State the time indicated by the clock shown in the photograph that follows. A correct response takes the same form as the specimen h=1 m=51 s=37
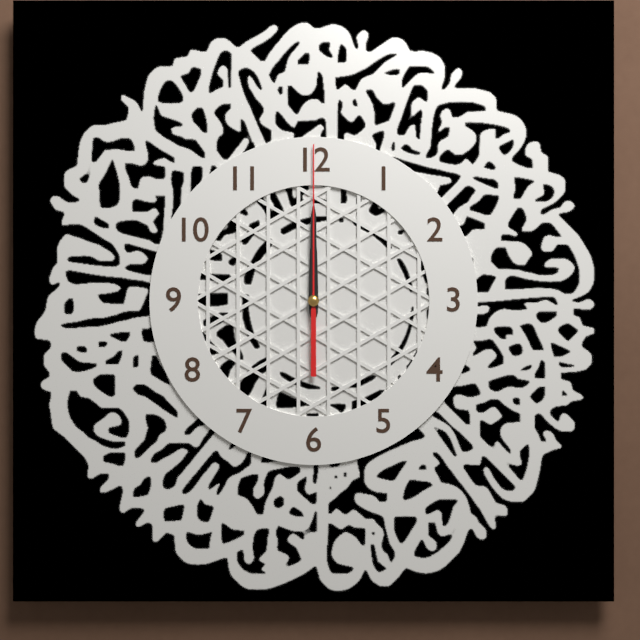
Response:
h=12 m=0 s=0
